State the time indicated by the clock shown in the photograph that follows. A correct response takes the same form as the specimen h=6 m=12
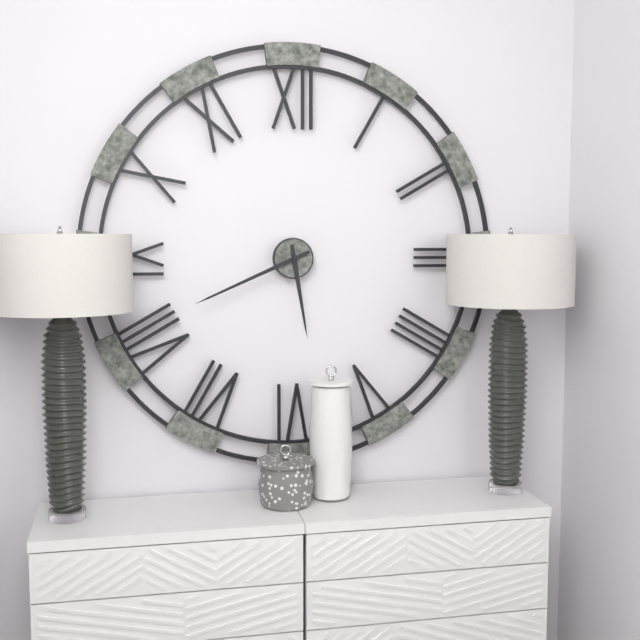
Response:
h=5 m=41
